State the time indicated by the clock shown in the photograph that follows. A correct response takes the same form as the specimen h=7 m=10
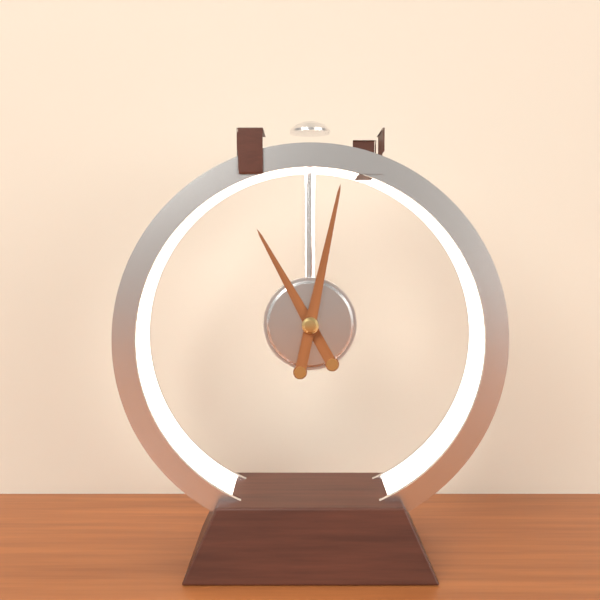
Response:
h=11 m=2
